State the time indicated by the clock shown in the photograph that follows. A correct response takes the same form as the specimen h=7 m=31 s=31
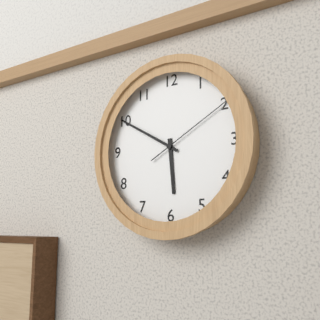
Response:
h=5 m=50 s=10
